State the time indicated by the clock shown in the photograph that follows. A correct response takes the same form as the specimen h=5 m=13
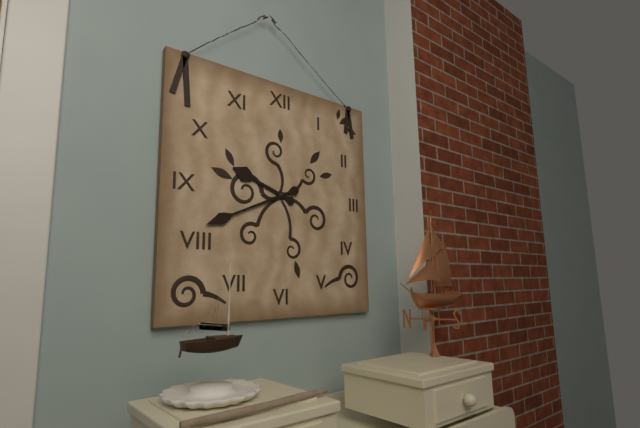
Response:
h=9 m=41
